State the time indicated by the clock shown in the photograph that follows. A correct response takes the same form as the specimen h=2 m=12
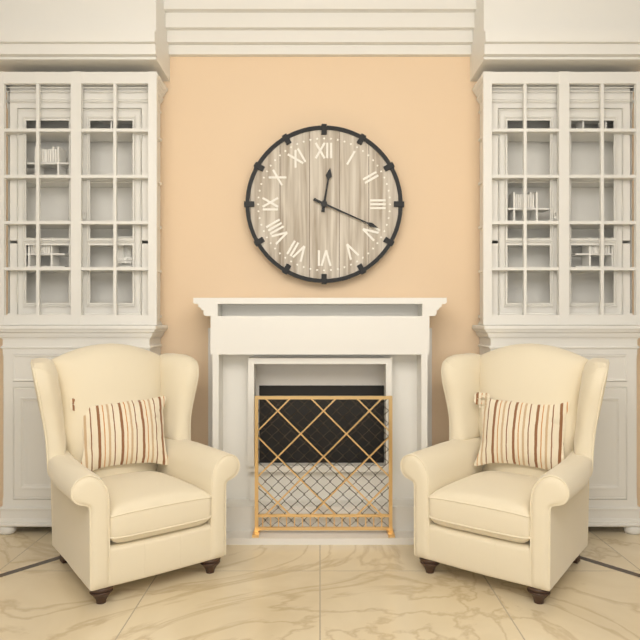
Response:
h=12 m=19
